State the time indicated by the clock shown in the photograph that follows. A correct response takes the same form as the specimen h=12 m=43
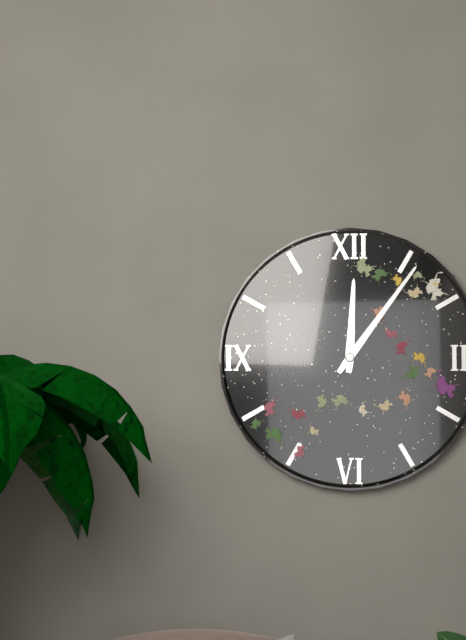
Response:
h=12 m=6
